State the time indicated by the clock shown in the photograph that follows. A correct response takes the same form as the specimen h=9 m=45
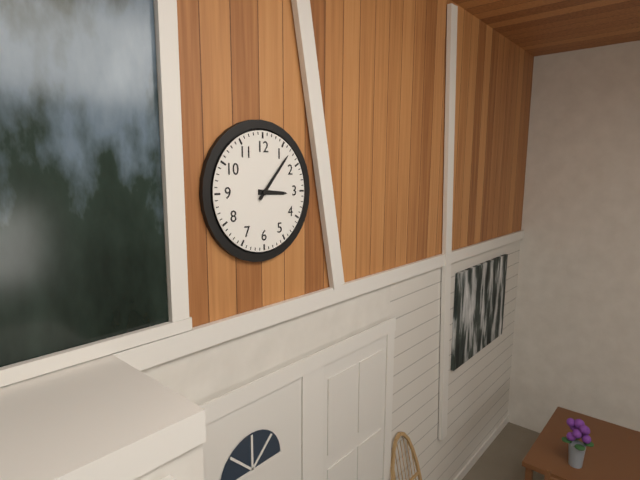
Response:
h=3 m=7
